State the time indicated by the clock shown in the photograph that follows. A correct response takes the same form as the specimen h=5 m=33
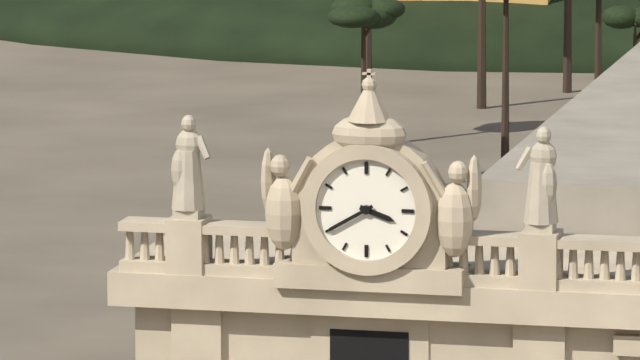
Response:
h=3 m=40
